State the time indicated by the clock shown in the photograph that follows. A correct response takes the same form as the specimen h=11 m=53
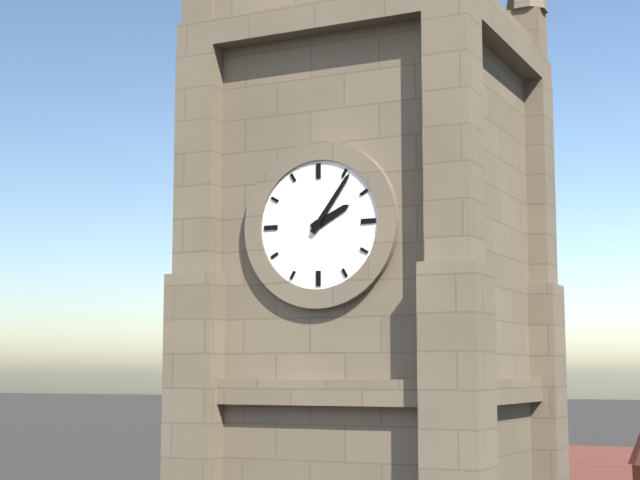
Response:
h=2 m=6
